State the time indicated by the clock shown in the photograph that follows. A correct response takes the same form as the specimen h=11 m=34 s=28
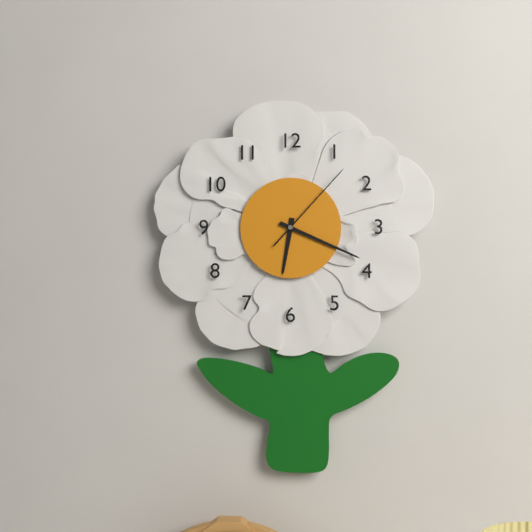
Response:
h=6 m=19 s=7
